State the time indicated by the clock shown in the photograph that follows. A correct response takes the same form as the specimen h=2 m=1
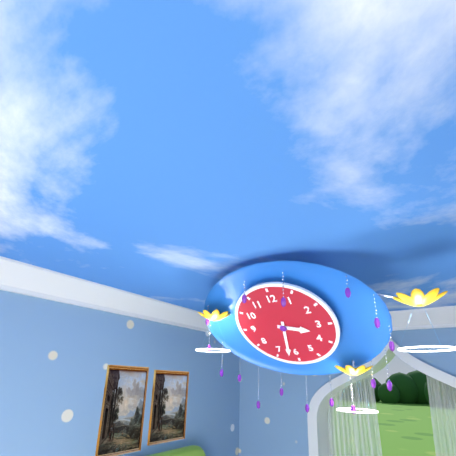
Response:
h=3 m=32
